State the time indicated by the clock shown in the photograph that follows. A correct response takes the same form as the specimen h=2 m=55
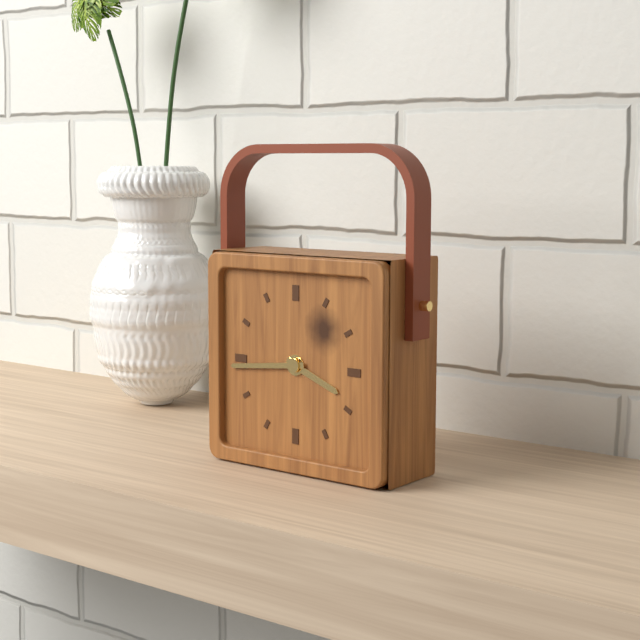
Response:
h=3 m=44
